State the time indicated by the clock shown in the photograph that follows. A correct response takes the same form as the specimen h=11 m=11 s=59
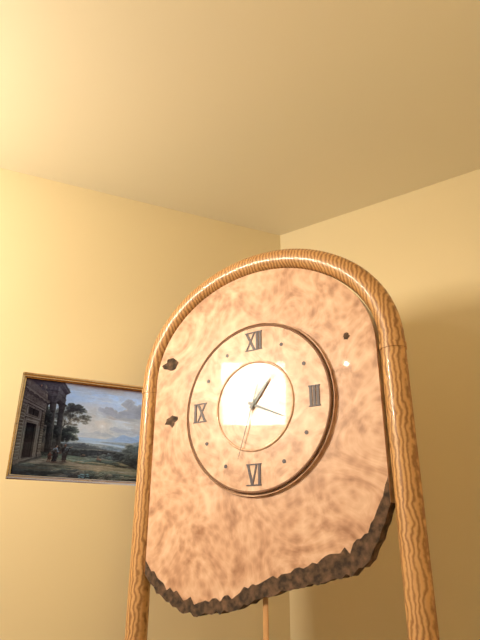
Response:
h=1 m=19 s=33
